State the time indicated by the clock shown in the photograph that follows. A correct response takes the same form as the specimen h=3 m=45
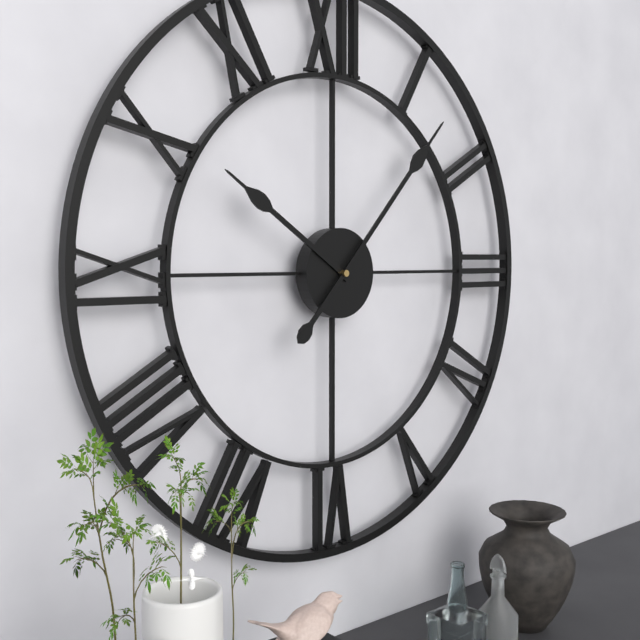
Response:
h=10 m=7
